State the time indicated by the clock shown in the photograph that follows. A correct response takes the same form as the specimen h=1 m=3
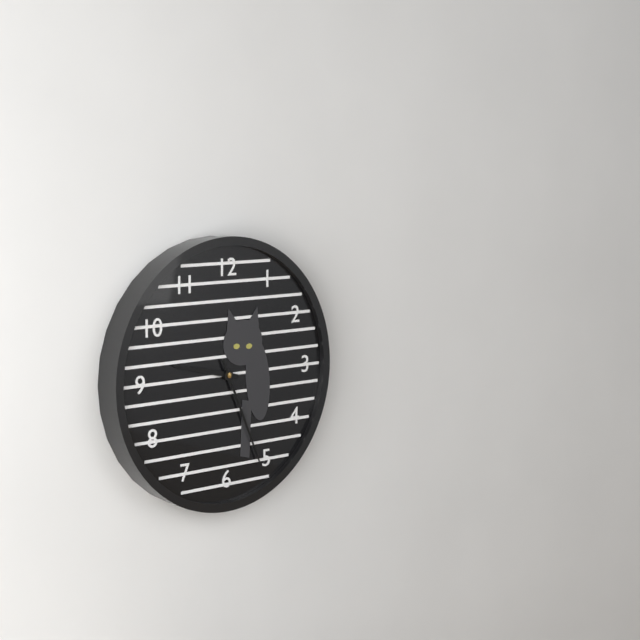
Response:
h=9 m=26
